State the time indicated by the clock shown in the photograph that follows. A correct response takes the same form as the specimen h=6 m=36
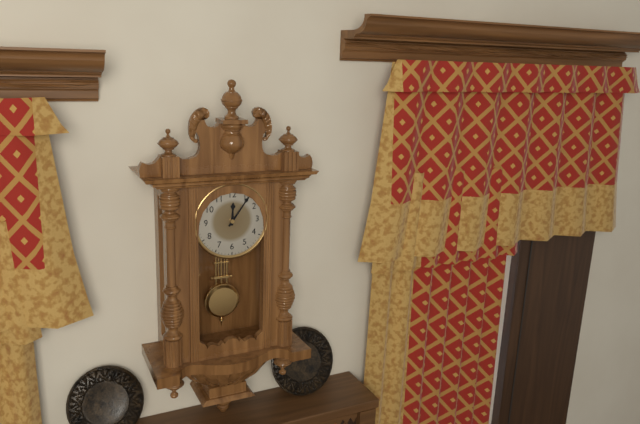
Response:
h=12 m=6
